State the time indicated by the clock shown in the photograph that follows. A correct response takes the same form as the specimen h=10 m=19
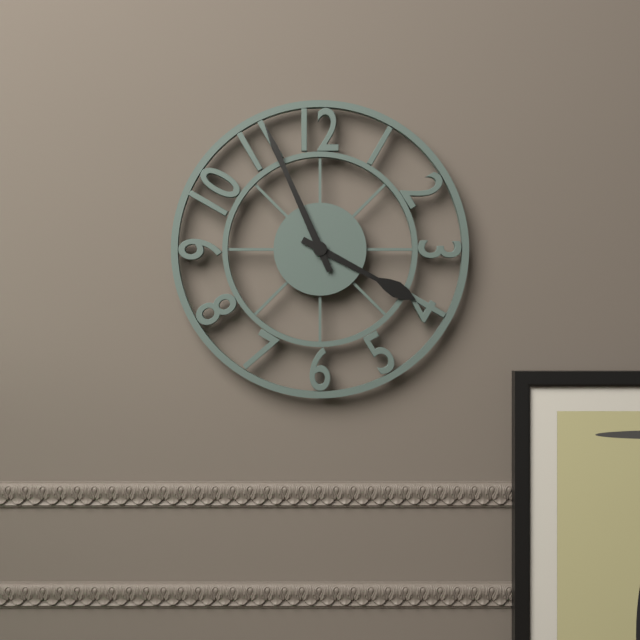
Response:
h=3 m=56
